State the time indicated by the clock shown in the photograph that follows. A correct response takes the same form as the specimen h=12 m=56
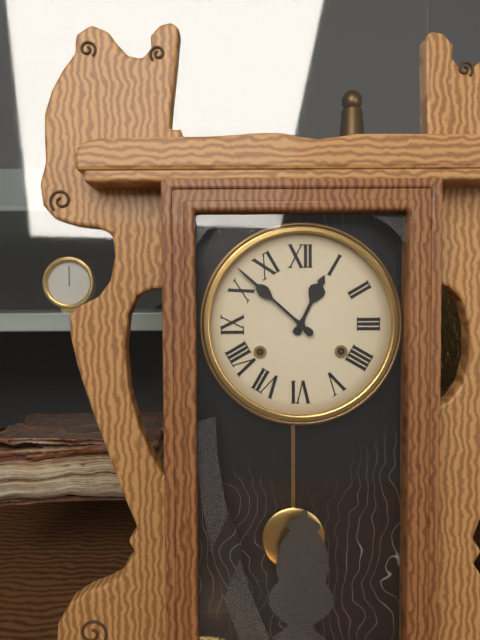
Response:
h=12 m=52
